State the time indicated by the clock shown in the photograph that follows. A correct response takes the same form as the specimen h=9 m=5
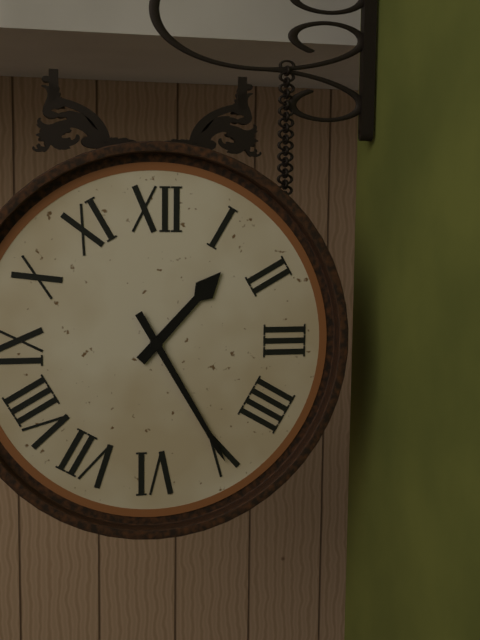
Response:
h=1 m=25
